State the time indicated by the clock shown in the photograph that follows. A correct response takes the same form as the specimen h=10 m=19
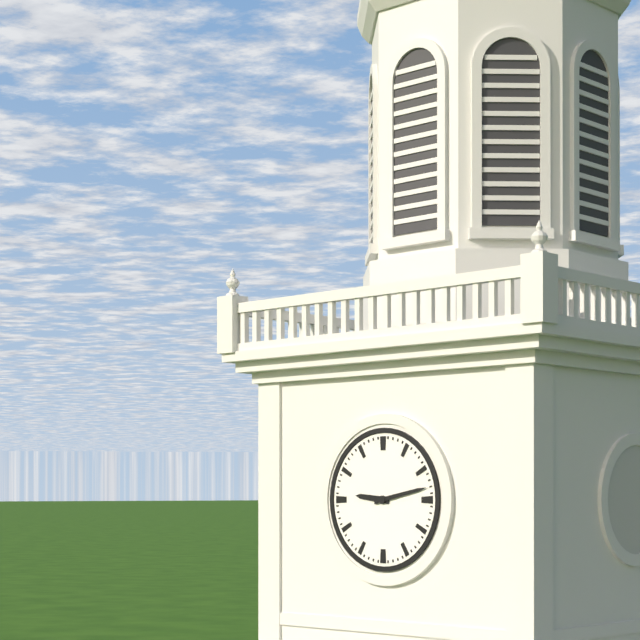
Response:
h=9 m=13
